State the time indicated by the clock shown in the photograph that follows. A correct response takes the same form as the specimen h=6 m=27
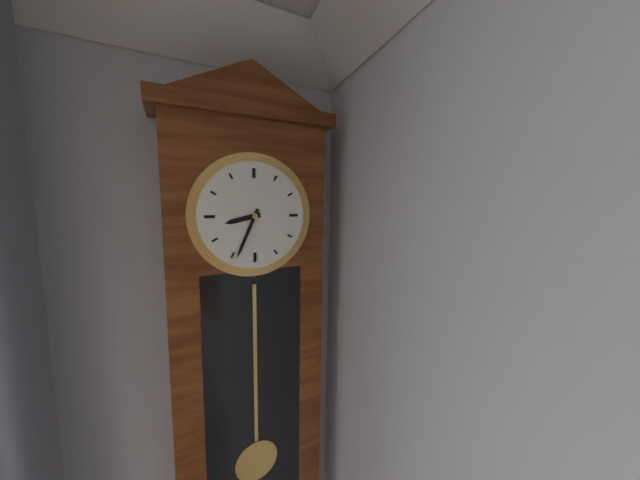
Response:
h=8 m=34
